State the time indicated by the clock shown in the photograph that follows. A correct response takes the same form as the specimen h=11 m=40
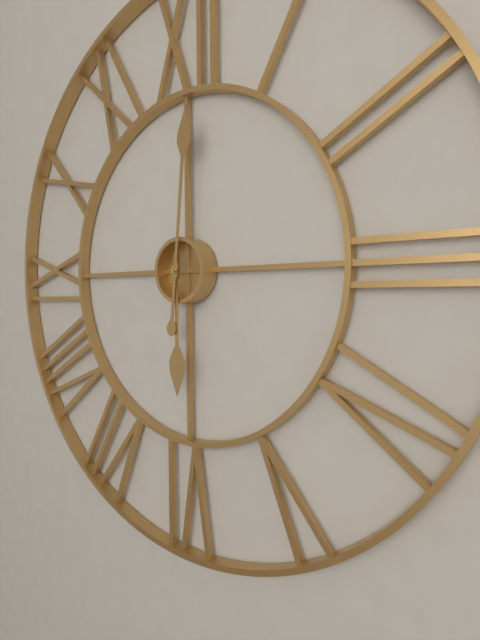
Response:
h=6 m=1
